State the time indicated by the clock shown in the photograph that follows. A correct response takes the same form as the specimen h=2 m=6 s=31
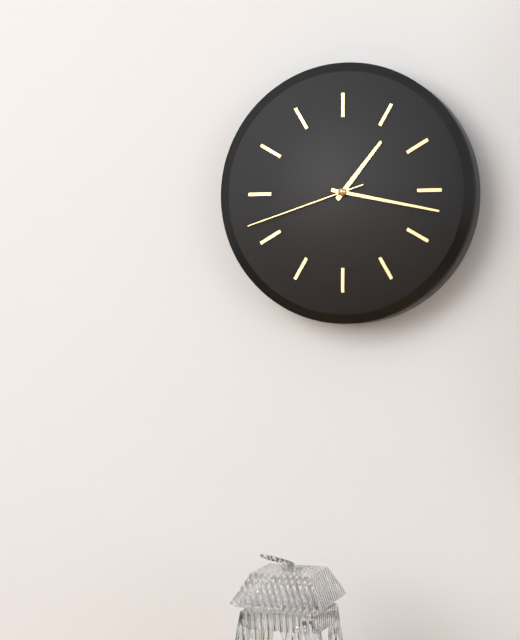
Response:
h=1 m=17 s=42
